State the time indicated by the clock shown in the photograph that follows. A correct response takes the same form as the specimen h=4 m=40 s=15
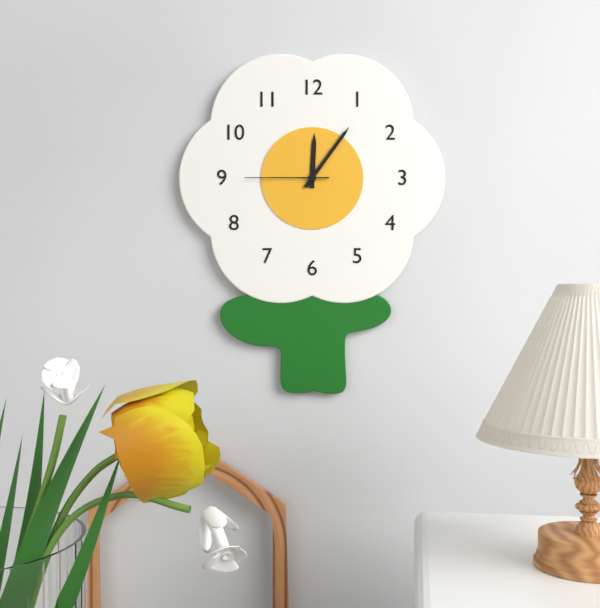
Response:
h=12 m=6 s=45
